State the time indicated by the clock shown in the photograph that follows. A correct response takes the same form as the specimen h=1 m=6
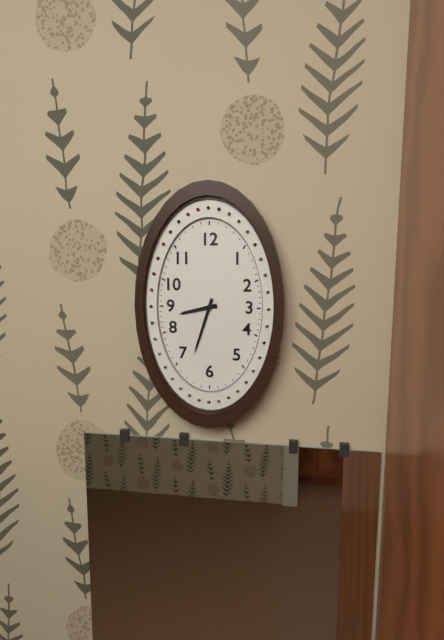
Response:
h=8 m=33
